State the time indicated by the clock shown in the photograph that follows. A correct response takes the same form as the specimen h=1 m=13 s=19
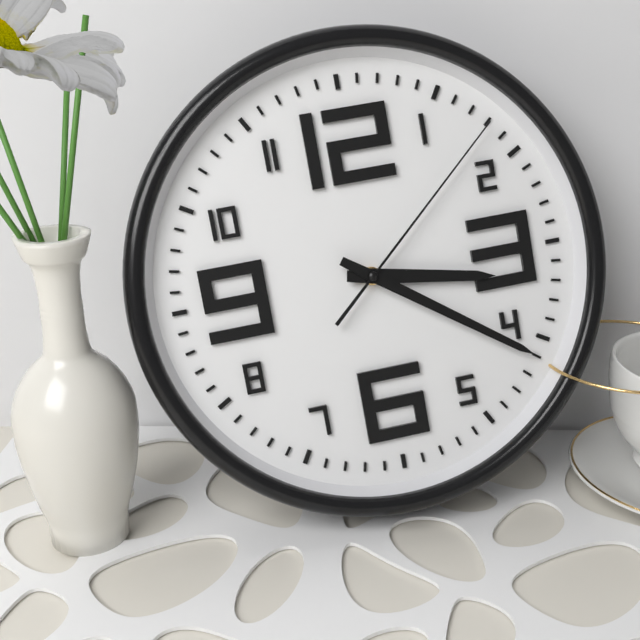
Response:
h=3 m=21 s=8
